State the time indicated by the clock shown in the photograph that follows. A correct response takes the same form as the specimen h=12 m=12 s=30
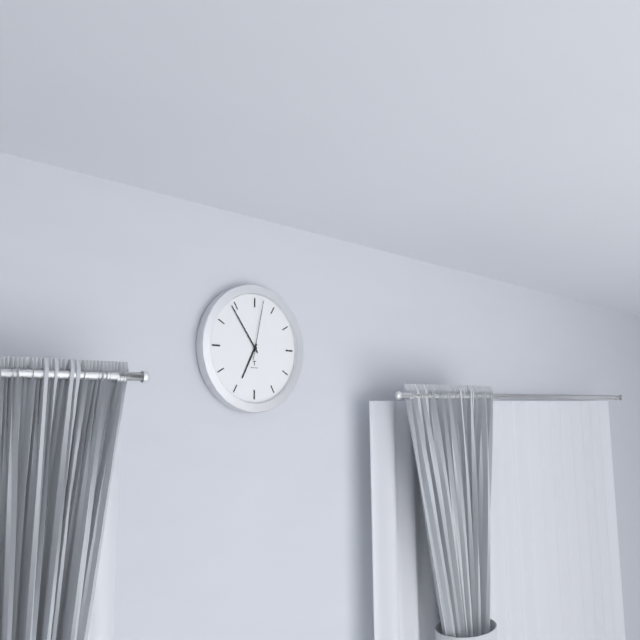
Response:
h=6 m=54 s=2
